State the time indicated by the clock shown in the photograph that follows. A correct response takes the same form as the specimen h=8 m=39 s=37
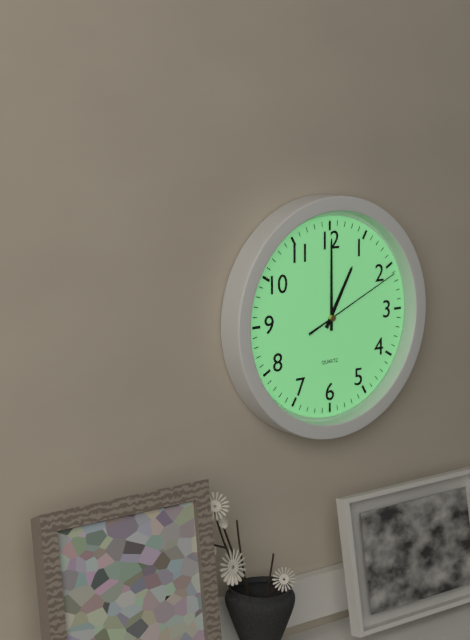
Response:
h=1 m=0 s=11
